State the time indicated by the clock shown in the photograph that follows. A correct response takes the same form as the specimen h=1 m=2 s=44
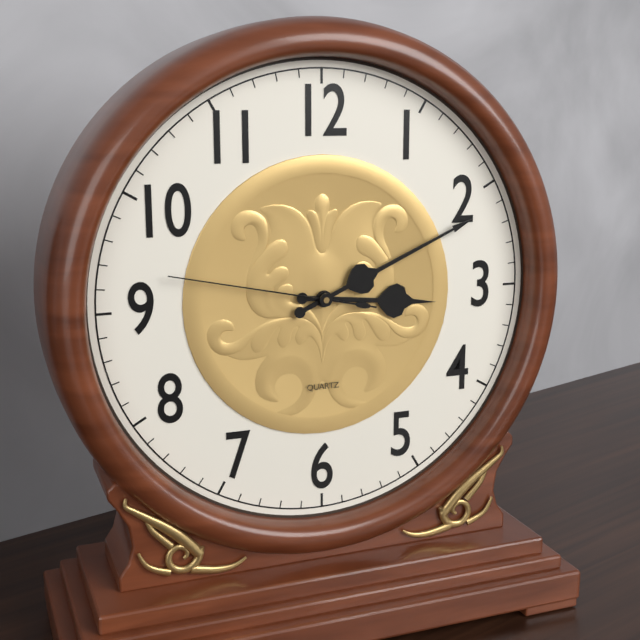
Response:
h=3 m=11 s=47
